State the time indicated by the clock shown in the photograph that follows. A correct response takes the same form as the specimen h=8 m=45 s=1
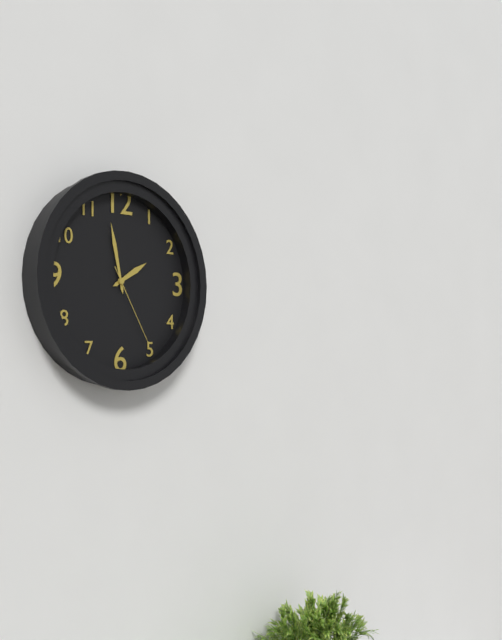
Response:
h=1 m=58 s=25
